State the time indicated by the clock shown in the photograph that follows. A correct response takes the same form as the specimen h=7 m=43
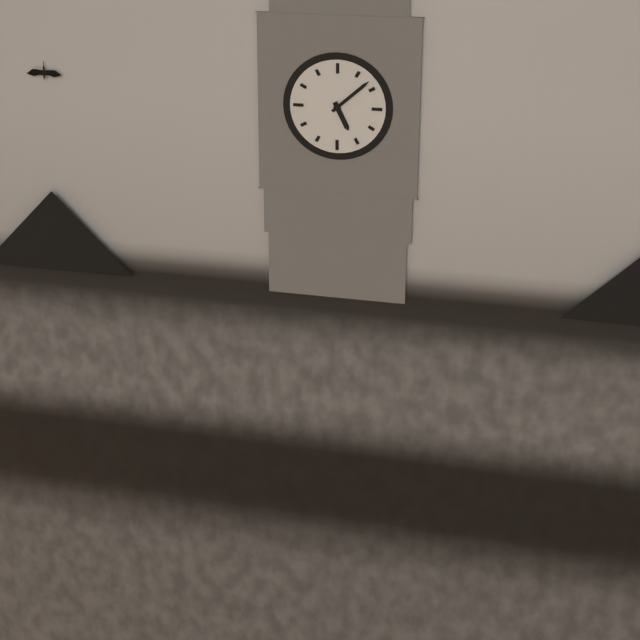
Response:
h=5 m=8
